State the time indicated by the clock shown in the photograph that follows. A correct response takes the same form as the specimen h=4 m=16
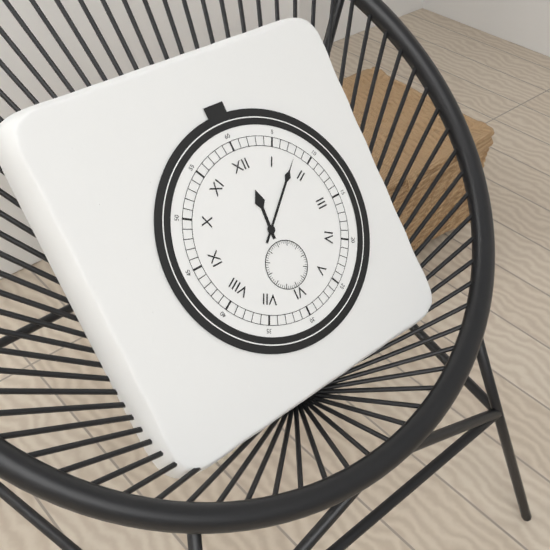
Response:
h=12 m=8
